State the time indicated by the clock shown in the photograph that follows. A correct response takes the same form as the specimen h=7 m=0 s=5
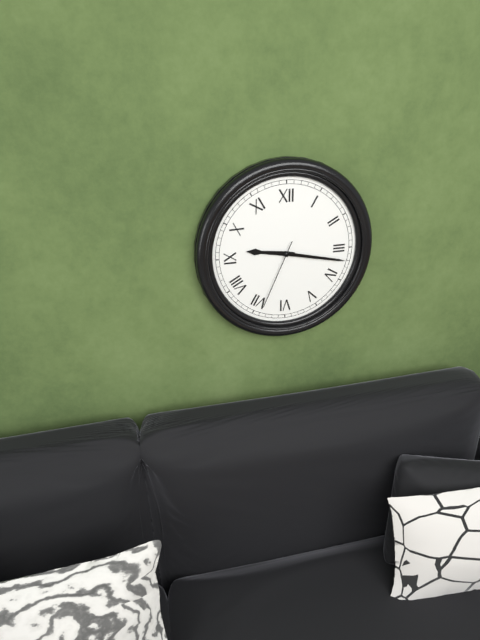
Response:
h=9 m=17 s=34
